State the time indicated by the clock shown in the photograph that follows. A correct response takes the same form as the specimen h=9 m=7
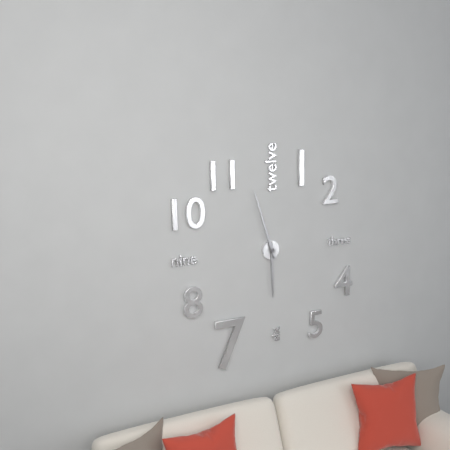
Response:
h=5 m=57
